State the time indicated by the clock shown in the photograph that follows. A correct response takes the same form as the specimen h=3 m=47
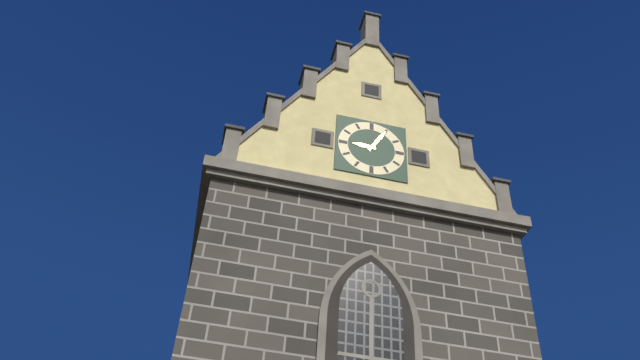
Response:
h=9 m=5
